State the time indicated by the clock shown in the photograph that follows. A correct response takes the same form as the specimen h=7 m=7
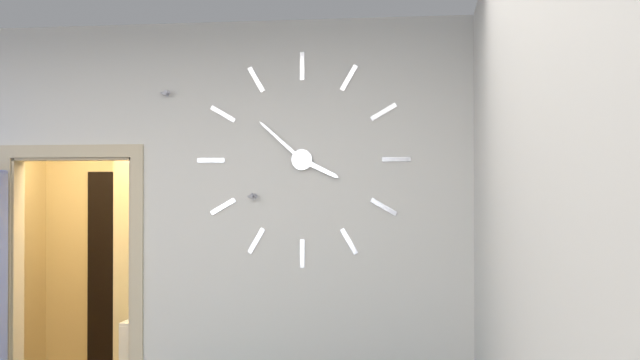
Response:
h=3 m=52
